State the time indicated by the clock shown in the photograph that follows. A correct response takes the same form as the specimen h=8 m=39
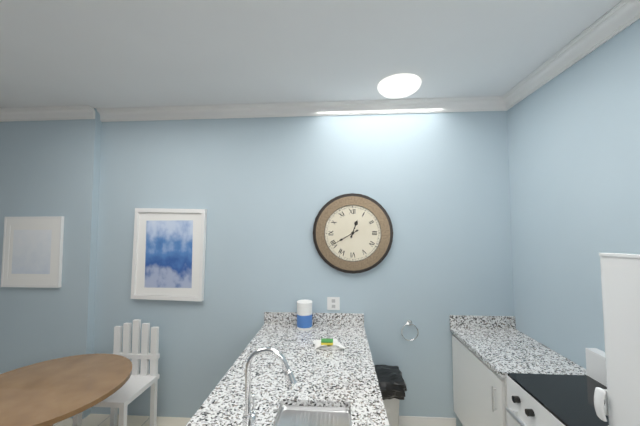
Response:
h=12 m=40
